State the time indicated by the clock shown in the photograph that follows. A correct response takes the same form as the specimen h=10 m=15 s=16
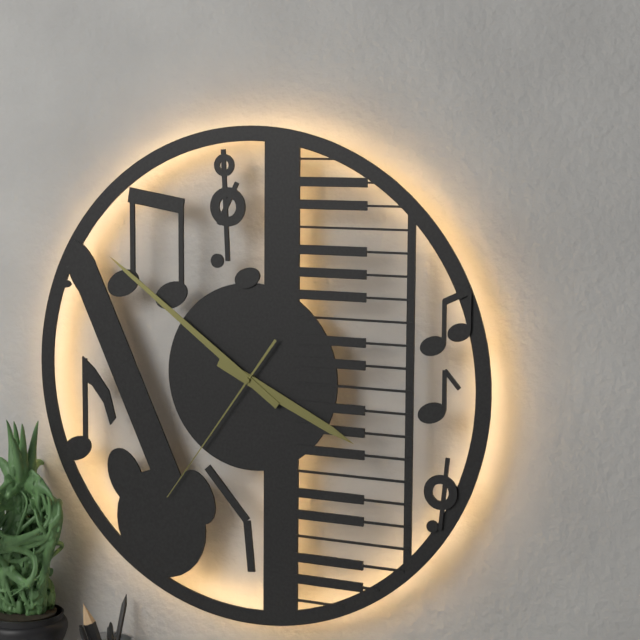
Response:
h=3 m=51 s=36
